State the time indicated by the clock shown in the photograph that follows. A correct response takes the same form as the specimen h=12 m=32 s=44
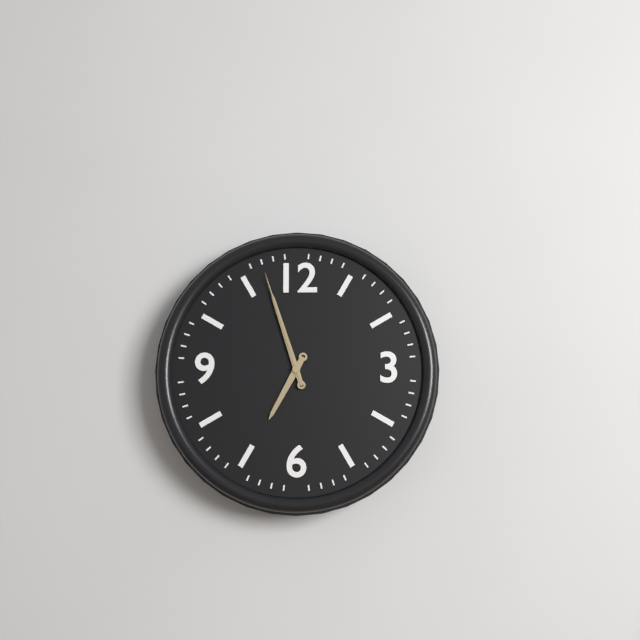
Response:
h=6 m=57 s=57
